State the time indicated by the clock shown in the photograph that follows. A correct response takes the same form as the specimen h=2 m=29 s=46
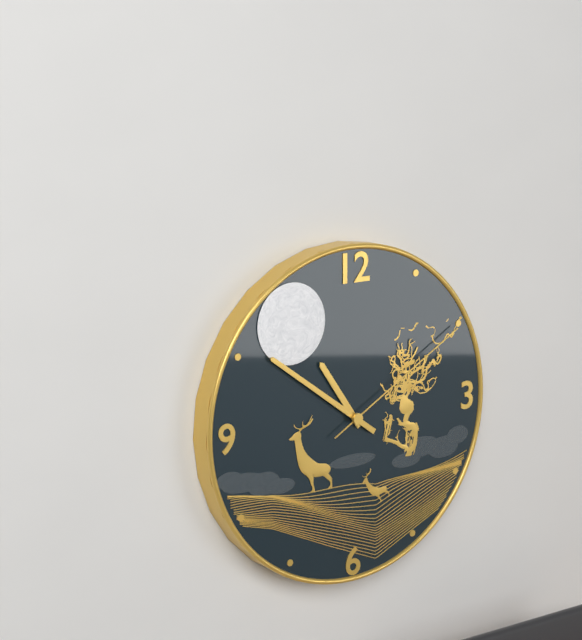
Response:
h=10 m=51 s=10
